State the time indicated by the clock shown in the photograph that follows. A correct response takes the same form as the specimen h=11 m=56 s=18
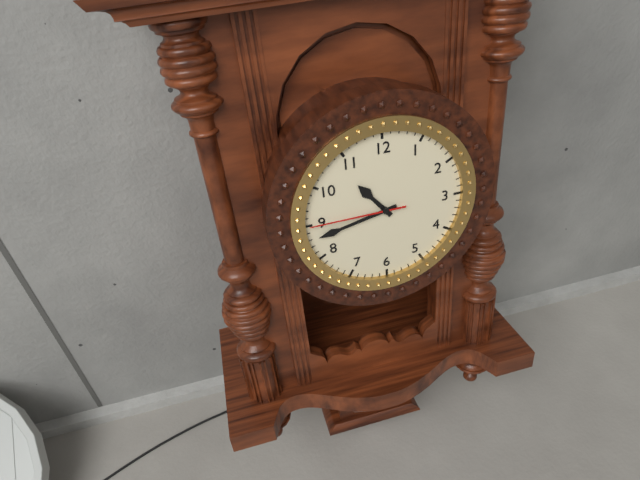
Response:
h=10 m=43 s=45
